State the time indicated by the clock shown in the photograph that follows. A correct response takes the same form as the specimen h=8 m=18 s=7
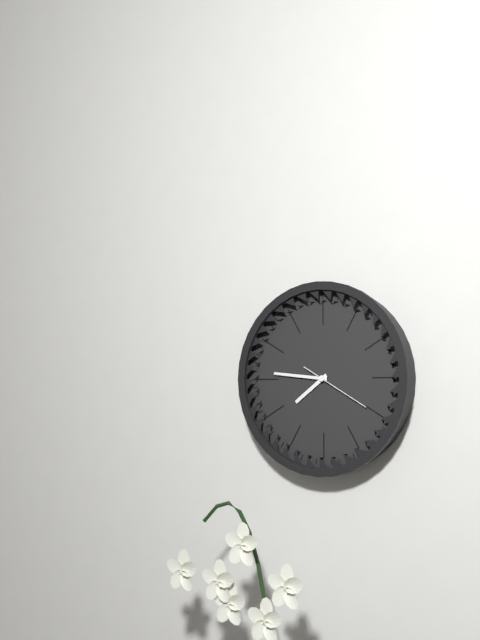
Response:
h=7 m=46 s=20
